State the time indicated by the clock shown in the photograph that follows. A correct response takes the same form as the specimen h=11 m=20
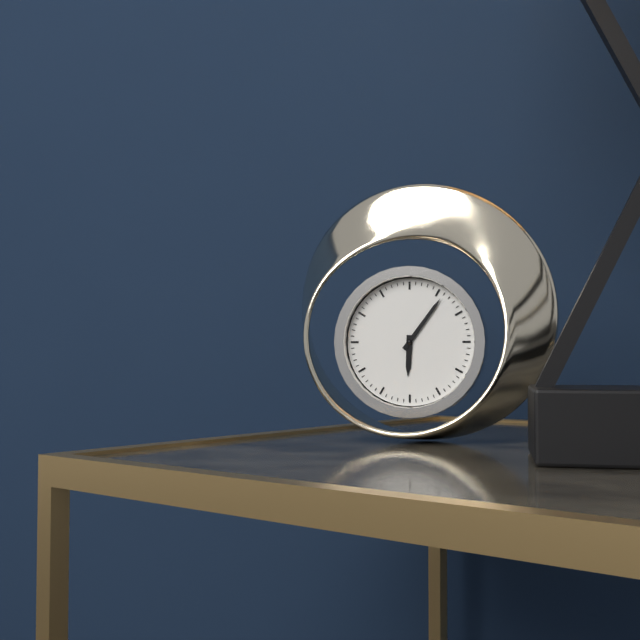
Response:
h=6 m=6
